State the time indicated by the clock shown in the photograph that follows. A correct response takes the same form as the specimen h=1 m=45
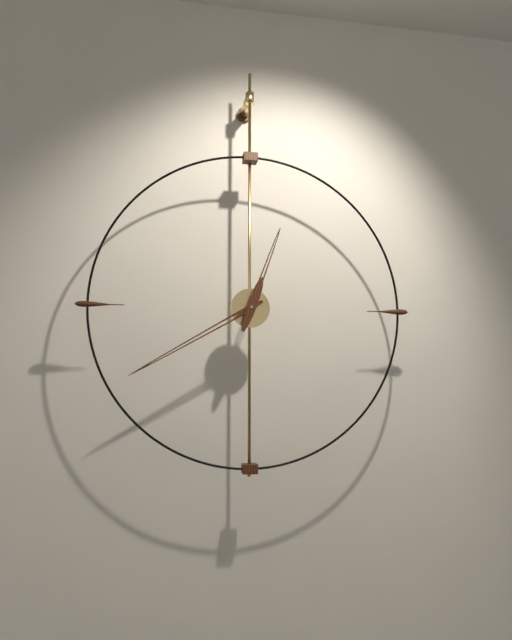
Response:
h=12 m=40
